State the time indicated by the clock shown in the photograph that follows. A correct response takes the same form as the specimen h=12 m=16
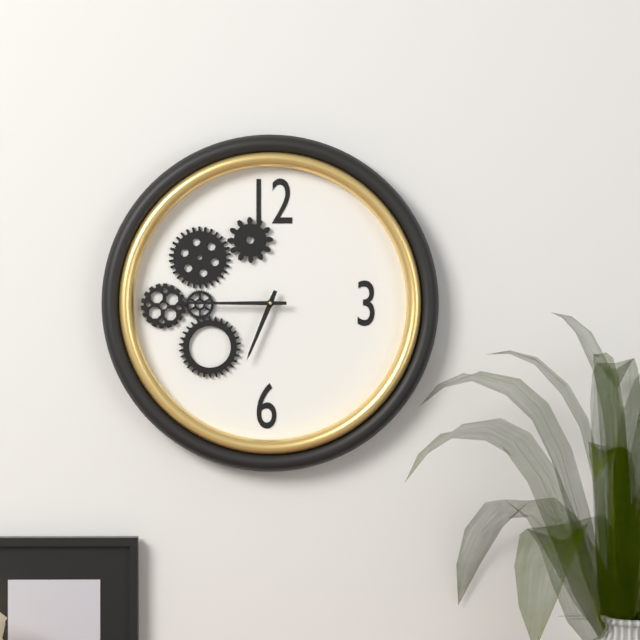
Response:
h=6 m=45
